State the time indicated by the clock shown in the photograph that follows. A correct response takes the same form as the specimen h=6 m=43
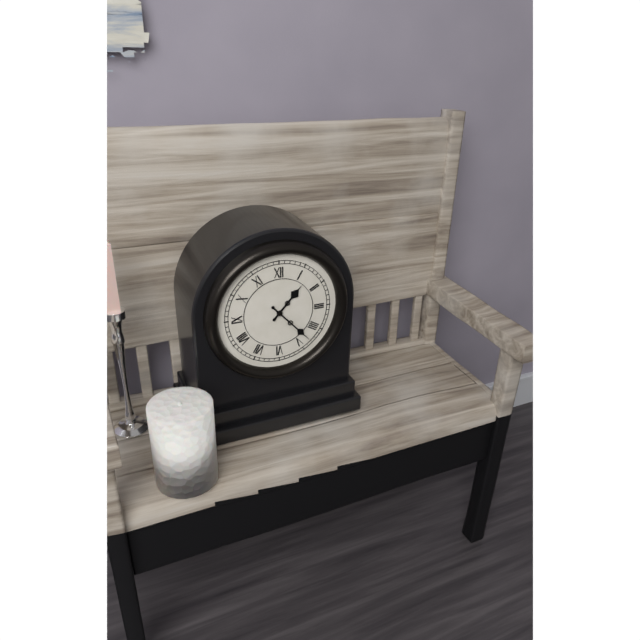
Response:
h=1 m=23
